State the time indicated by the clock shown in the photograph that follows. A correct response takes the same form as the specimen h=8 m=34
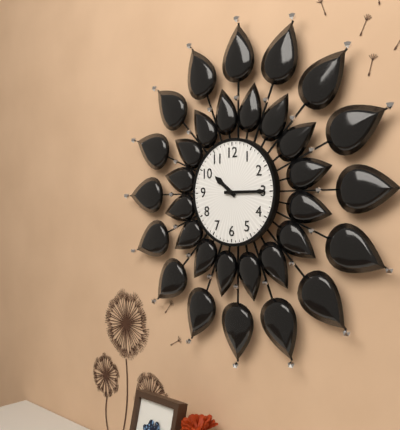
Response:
h=10 m=15
